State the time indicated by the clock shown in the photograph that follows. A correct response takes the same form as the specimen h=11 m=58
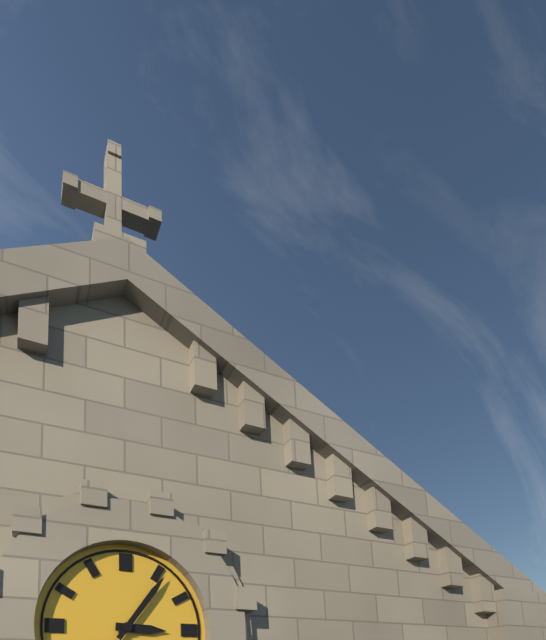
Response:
h=3 m=6
